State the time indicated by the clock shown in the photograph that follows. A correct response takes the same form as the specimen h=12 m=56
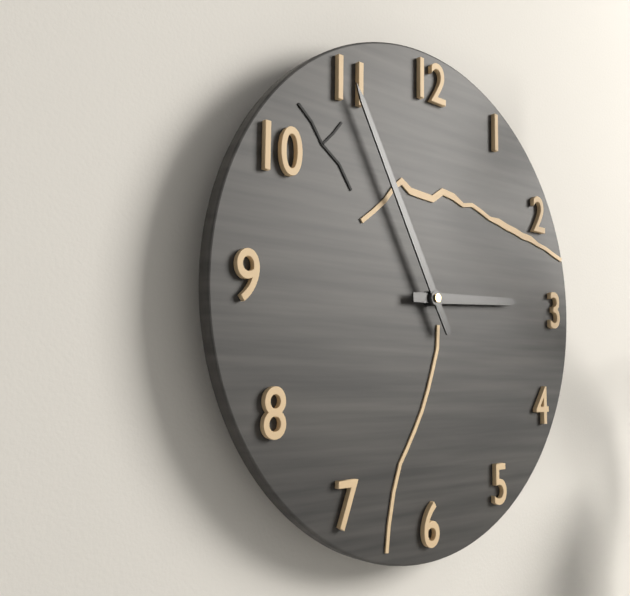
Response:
h=2 m=55
